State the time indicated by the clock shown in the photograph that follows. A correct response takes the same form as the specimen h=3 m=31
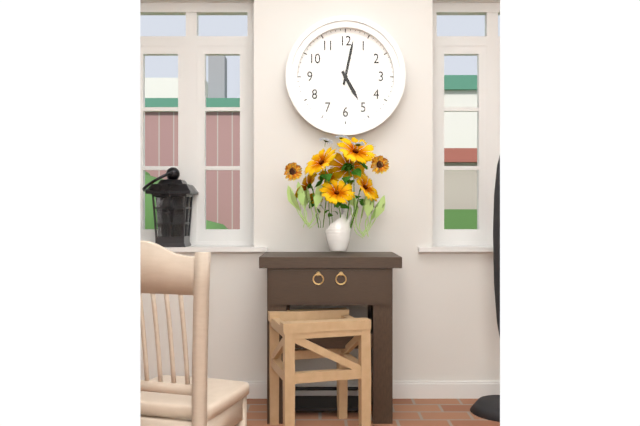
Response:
h=5 m=2
